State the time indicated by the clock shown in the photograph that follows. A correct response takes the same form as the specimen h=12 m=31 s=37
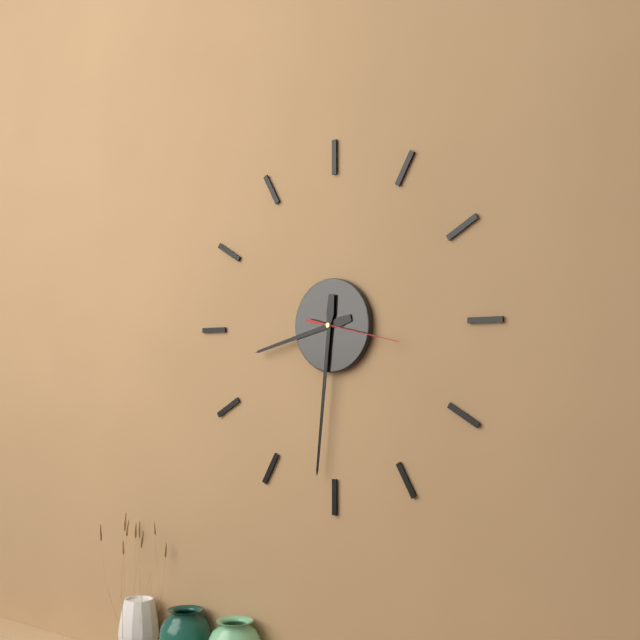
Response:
h=8 m=31 s=17
